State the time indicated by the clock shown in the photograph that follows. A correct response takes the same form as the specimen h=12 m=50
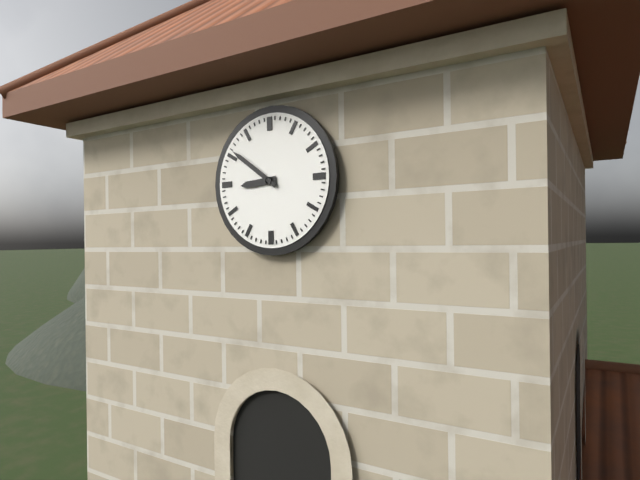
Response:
h=8 m=51
